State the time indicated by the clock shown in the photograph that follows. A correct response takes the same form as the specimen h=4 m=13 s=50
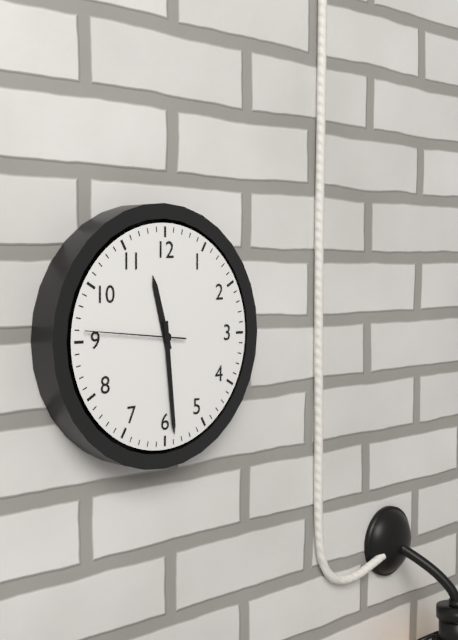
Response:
h=11 m=29 s=46
